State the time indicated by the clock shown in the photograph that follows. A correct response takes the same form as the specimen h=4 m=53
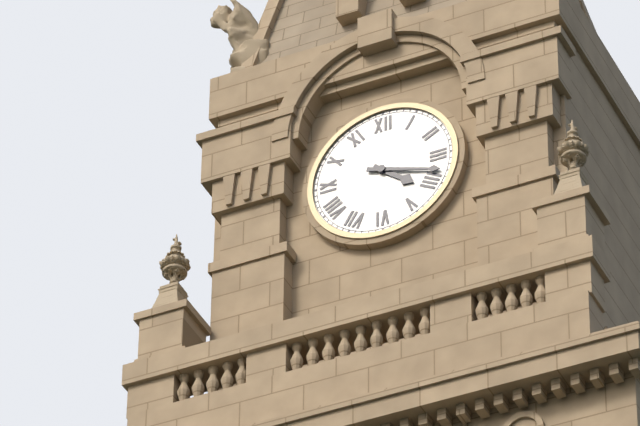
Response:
h=4 m=18
